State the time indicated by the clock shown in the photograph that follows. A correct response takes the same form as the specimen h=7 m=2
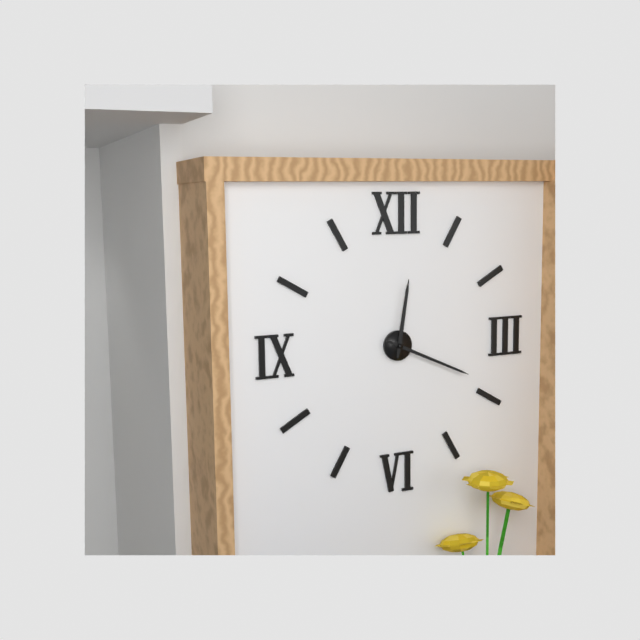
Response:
h=12 m=19
